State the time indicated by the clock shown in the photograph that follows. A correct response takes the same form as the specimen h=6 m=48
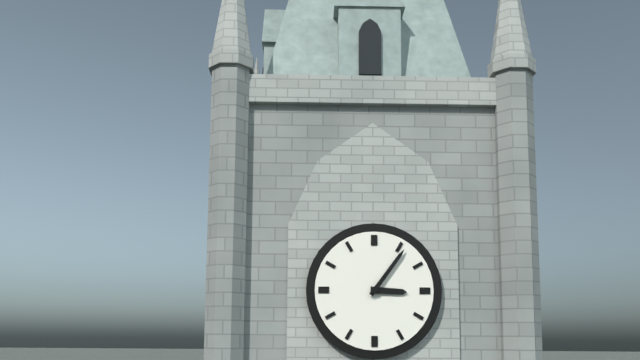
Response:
h=3 m=6
